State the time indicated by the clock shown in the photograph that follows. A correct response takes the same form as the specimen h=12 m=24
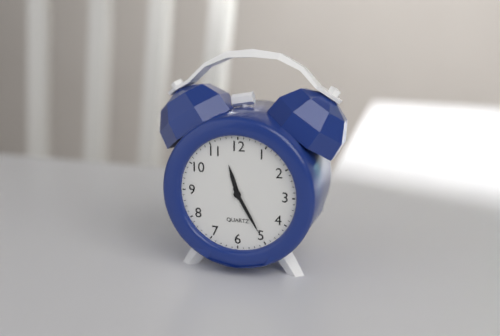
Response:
h=11 m=25
